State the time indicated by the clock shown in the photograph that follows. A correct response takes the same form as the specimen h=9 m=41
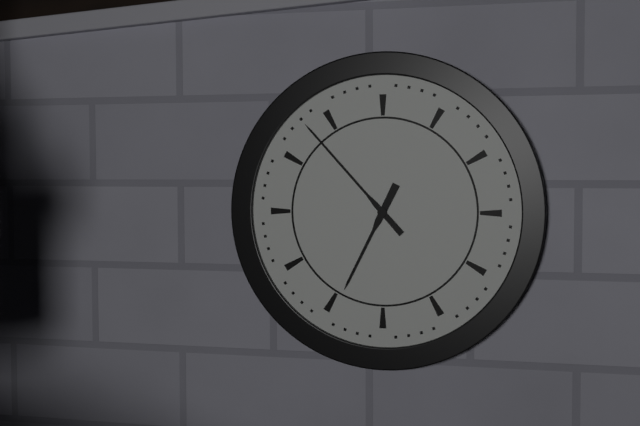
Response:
h=6 m=53
